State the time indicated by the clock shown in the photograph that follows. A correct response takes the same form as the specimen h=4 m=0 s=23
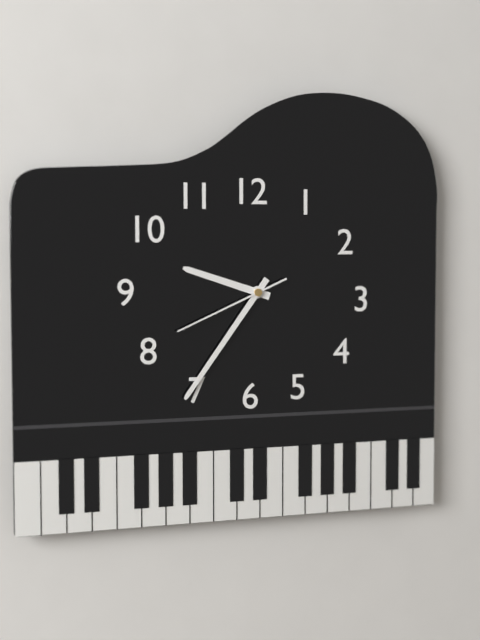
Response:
h=9 m=36 s=41
